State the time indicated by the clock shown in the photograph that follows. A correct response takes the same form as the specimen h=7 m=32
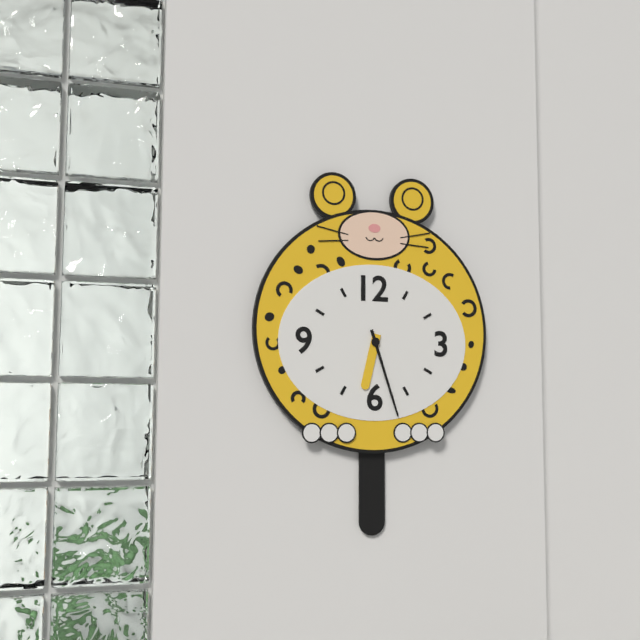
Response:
h=6 m=27
